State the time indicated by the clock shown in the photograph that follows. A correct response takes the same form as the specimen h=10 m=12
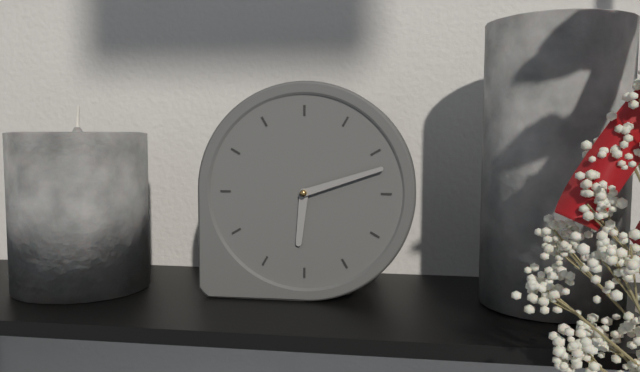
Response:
h=6 m=12
